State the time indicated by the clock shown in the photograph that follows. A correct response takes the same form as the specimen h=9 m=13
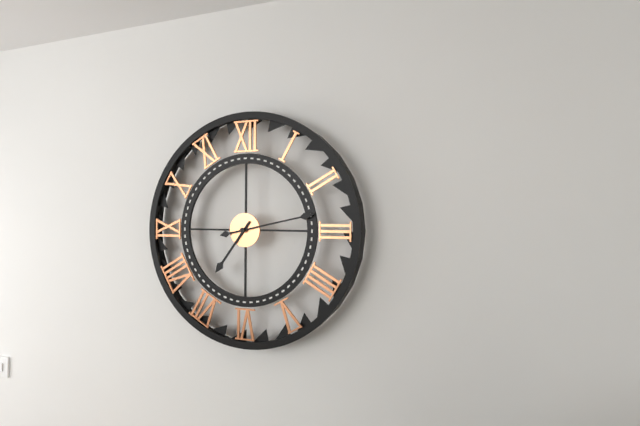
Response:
h=7 m=13
